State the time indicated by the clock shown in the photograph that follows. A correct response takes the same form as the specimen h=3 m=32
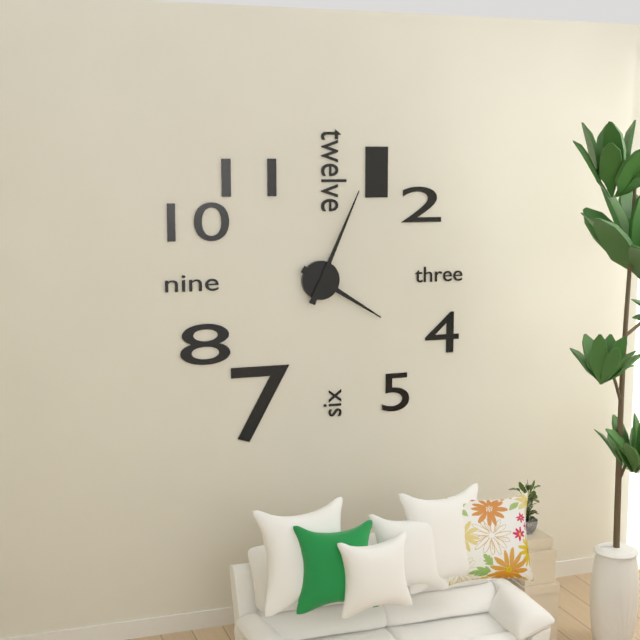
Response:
h=4 m=4
